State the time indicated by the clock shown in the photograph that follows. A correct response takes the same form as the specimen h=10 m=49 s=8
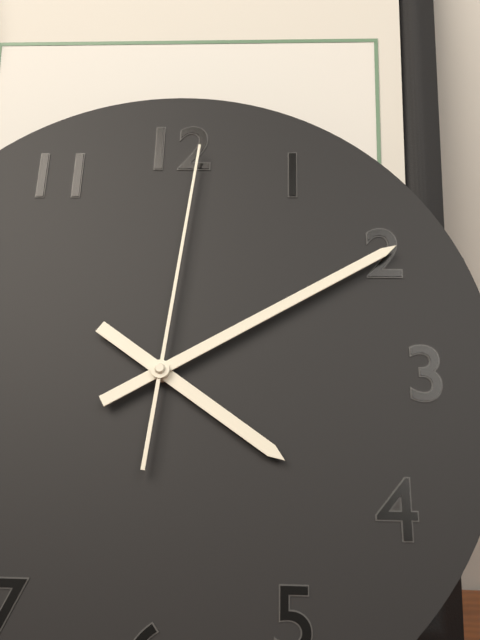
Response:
h=4 m=10 s=1
